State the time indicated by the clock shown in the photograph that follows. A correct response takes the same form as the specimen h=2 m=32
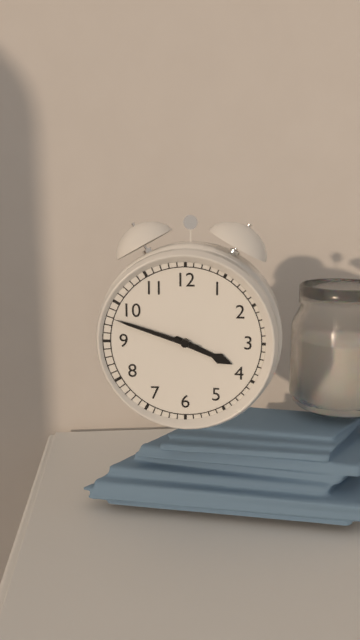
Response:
h=3 m=48
